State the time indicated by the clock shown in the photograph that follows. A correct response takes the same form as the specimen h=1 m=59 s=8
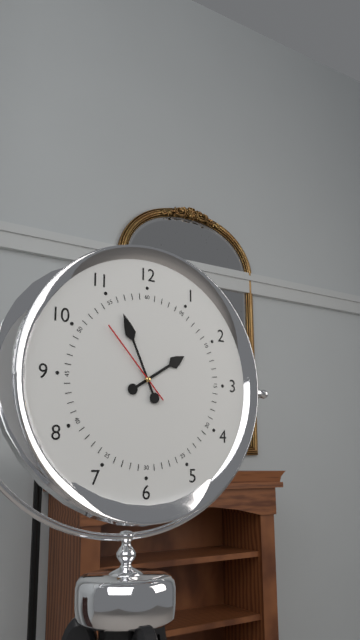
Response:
h=1 m=56 s=53
